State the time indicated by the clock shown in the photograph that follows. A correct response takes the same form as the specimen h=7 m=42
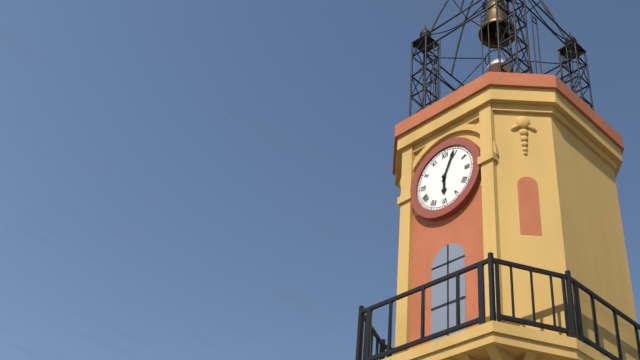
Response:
h=6 m=4
